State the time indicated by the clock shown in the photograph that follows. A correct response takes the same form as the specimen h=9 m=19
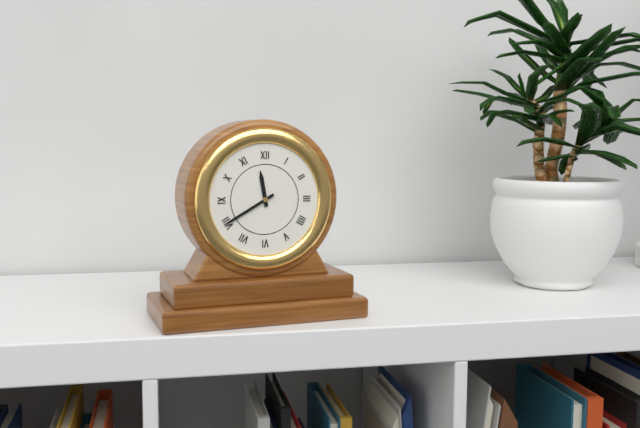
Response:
h=11 m=40
